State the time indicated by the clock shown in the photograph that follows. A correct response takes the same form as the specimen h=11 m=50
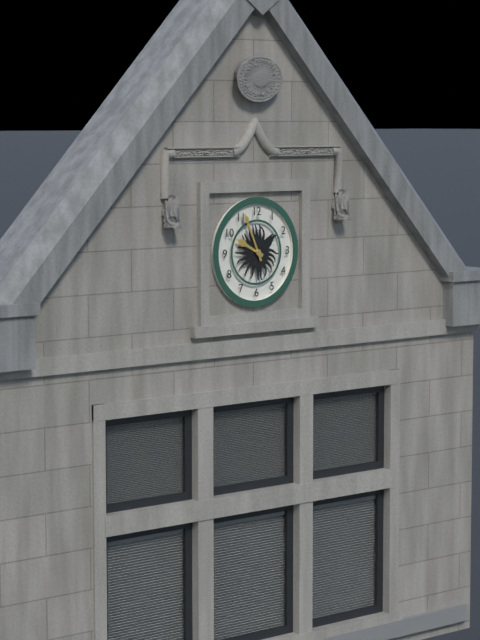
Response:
h=9 m=56
